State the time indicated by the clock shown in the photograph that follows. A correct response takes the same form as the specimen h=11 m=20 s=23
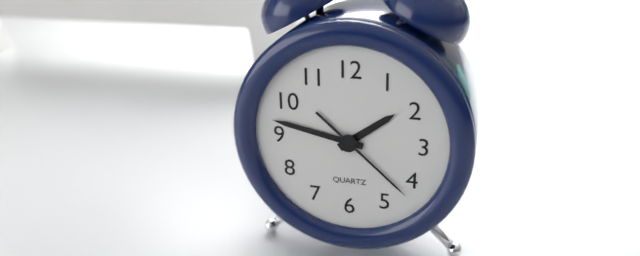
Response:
h=1 m=47 s=22
